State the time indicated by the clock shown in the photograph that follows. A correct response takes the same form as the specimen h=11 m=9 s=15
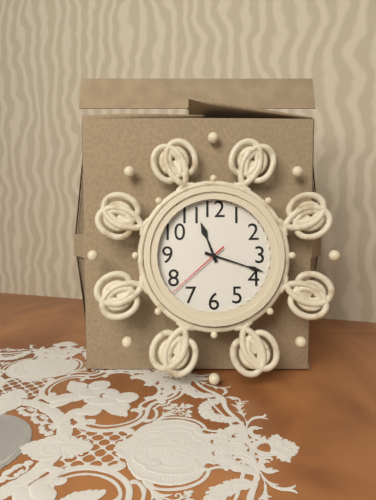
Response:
h=11 m=18 s=38
